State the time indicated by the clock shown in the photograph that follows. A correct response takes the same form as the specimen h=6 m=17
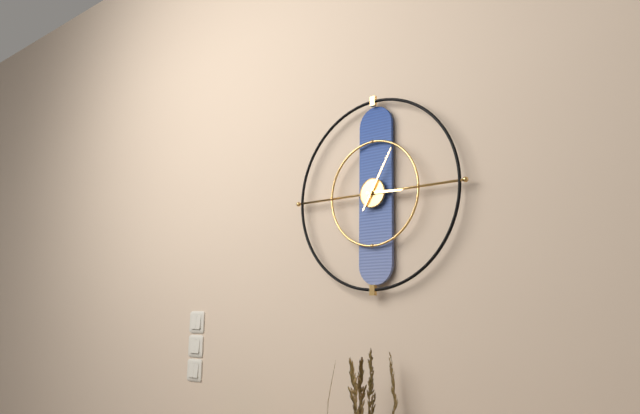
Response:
h=3 m=5
